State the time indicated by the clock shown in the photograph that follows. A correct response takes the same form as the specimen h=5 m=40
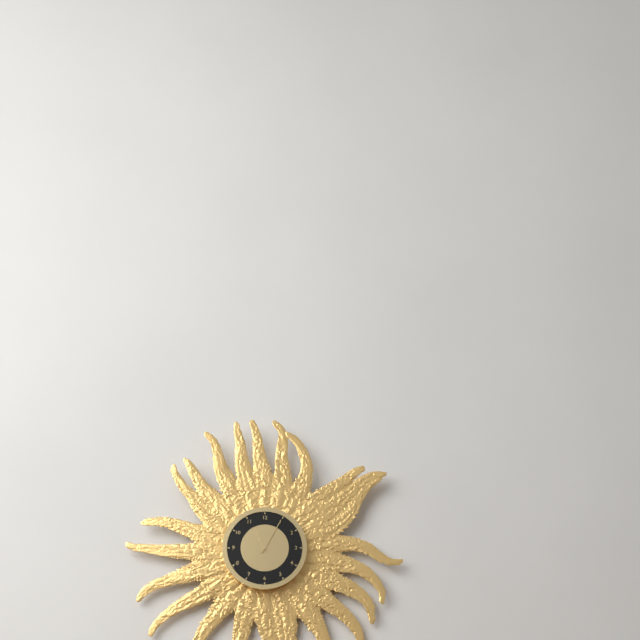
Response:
h=11 m=5
